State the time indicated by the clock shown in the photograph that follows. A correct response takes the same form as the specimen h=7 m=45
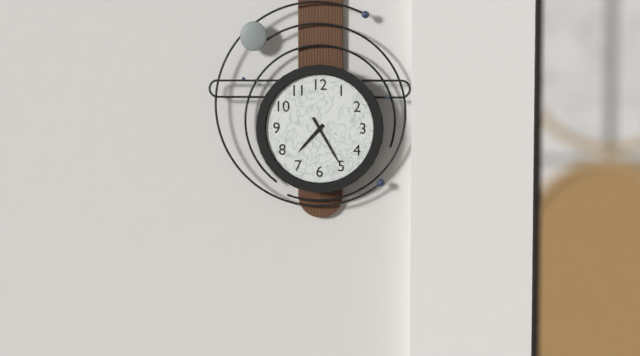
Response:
h=7 m=25
